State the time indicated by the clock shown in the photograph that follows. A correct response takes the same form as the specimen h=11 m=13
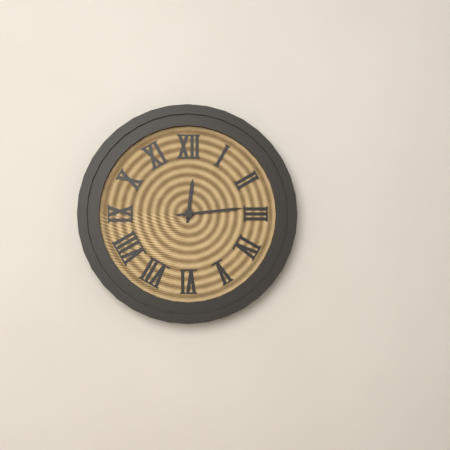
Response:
h=12 m=14
